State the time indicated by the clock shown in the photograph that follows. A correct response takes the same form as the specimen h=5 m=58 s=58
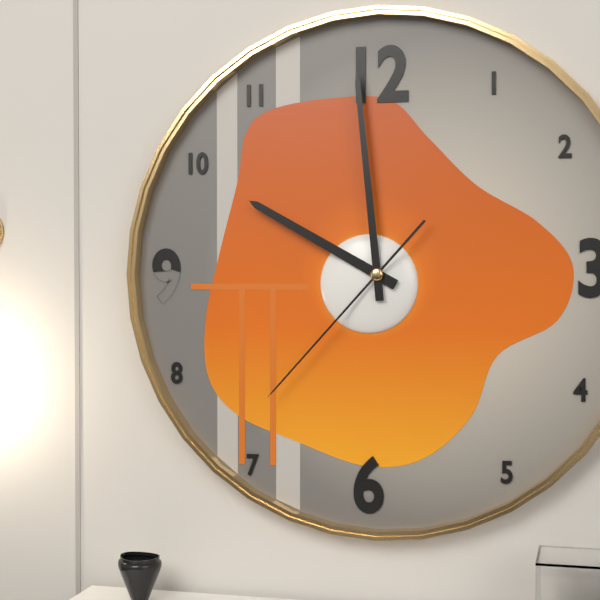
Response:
h=9 m=59 s=37
